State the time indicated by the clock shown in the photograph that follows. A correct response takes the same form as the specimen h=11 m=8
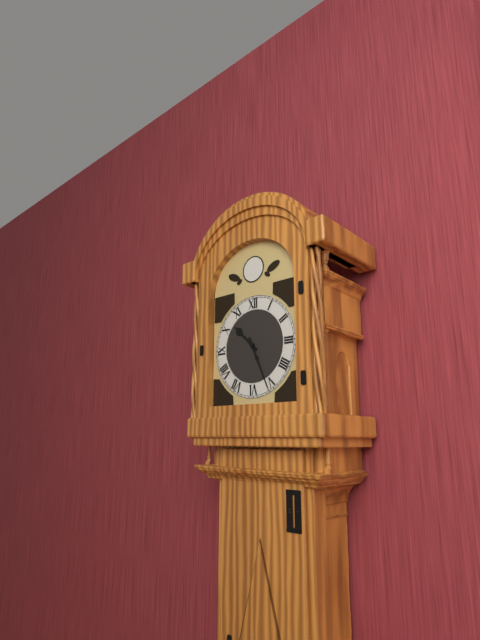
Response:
h=10 m=26
